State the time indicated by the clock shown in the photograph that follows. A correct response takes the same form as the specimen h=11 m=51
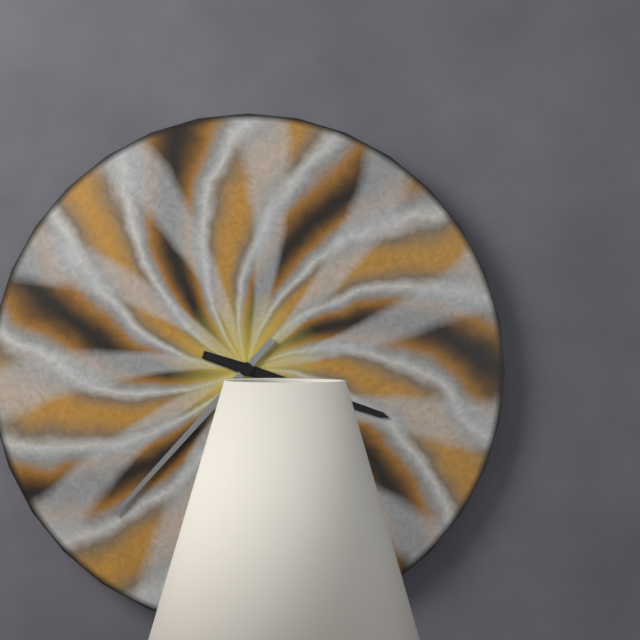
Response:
h=3 m=37
